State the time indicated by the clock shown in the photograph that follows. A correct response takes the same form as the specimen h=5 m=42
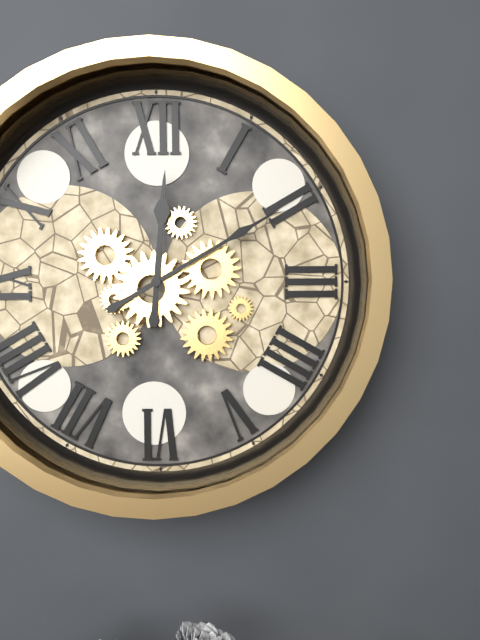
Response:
h=12 m=10
